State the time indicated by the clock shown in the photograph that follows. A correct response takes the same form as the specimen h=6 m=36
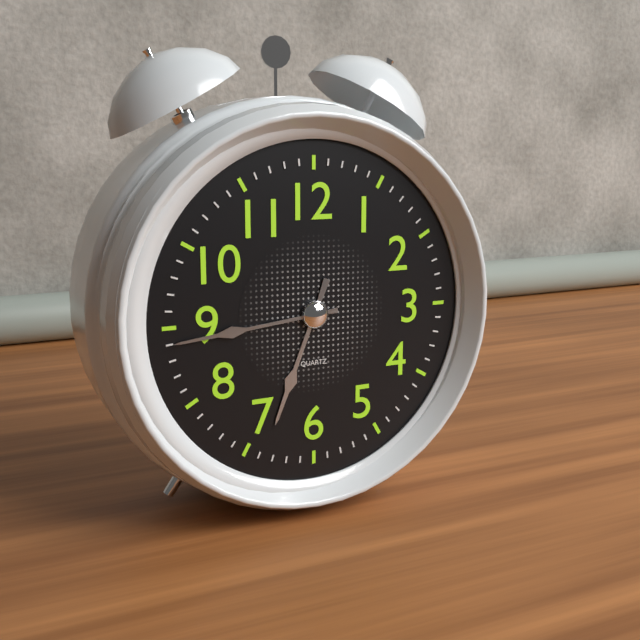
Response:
h=6 m=44
